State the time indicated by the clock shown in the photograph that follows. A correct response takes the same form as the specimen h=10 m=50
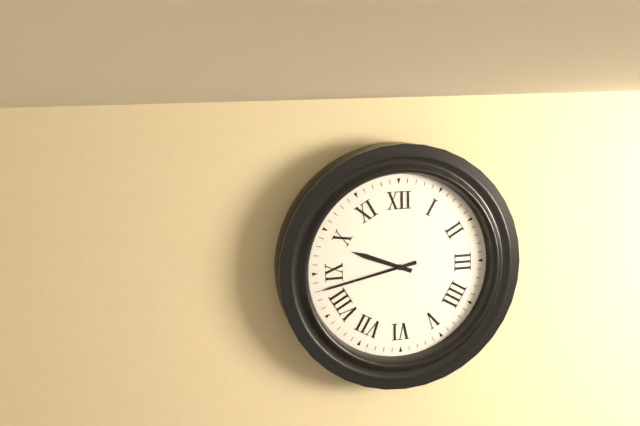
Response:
h=9 m=43
